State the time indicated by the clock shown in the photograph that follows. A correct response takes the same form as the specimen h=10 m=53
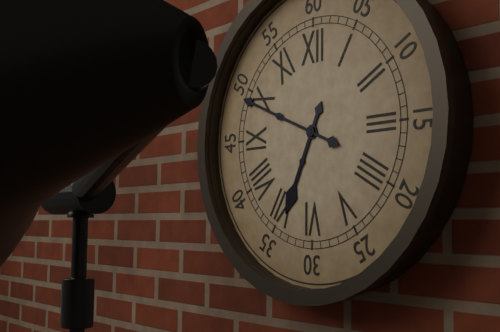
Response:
h=6 m=49
